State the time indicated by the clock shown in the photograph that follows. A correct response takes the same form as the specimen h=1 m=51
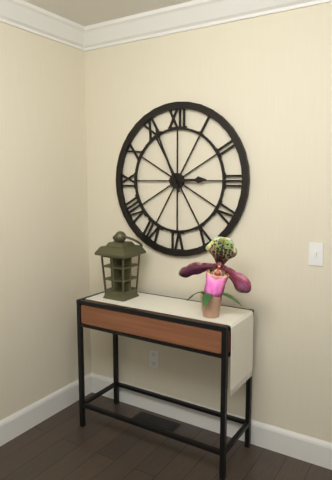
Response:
h=2 m=56
